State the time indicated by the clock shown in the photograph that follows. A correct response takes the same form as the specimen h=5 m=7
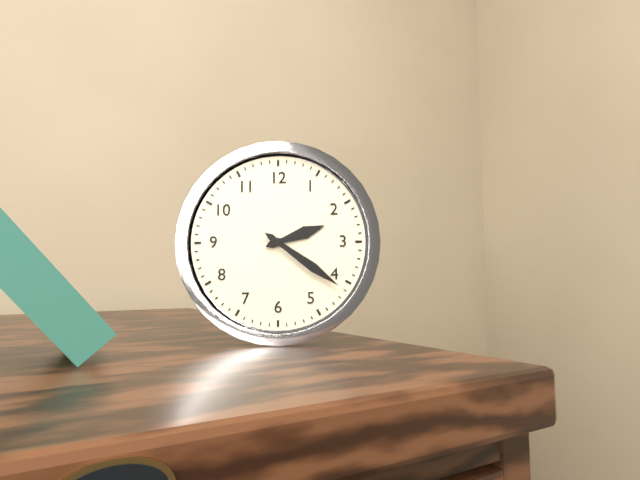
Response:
h=2 m=21
